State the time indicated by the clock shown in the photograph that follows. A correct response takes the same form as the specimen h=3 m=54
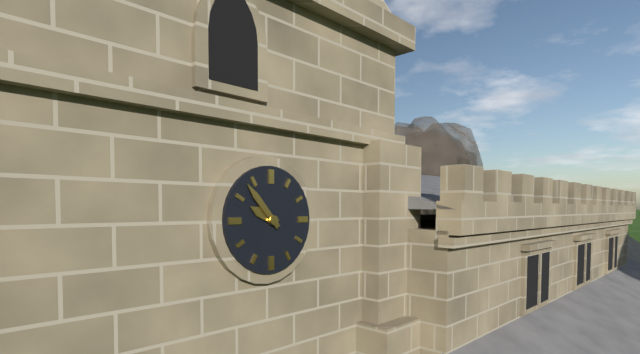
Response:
h=9 m=53
